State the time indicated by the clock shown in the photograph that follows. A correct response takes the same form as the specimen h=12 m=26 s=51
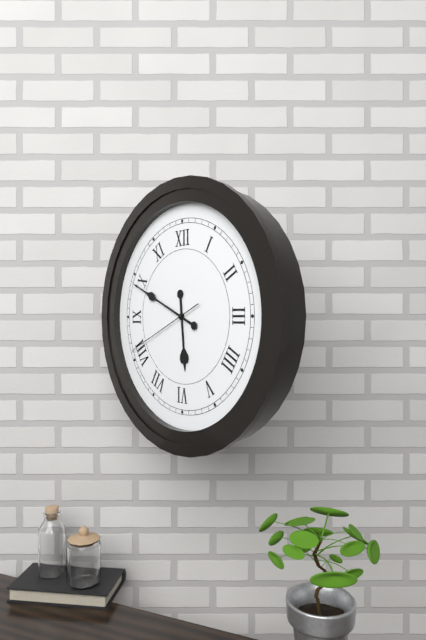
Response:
h=5 m=49 s=41
